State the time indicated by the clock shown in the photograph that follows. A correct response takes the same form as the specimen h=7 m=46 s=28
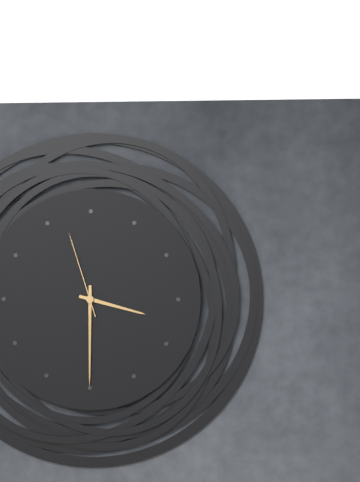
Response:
h=3 m=30 s=57
